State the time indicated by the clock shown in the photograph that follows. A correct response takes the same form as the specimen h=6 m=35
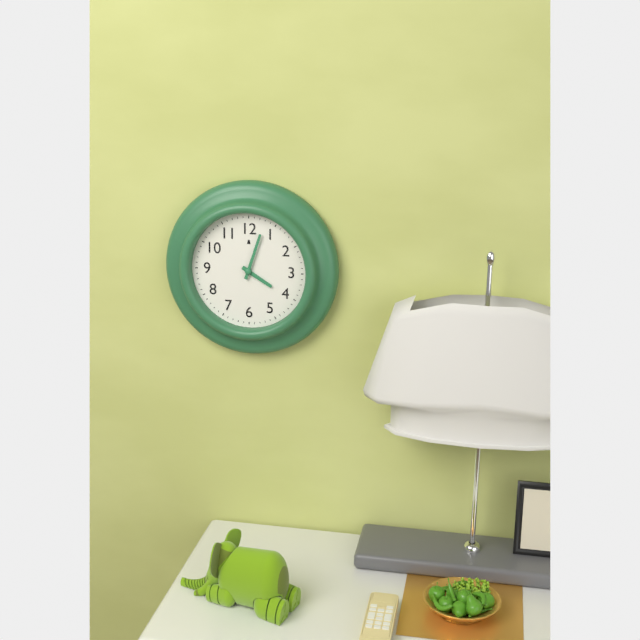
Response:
h=4 m=3
